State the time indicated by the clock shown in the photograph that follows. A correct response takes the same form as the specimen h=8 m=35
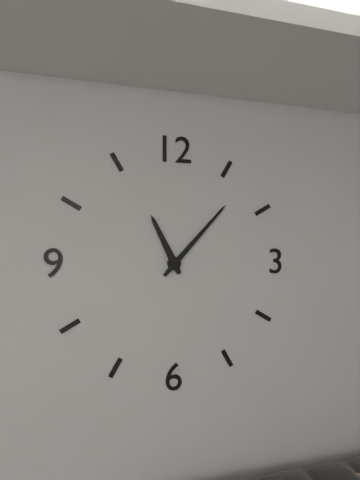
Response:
h=11 m=7
